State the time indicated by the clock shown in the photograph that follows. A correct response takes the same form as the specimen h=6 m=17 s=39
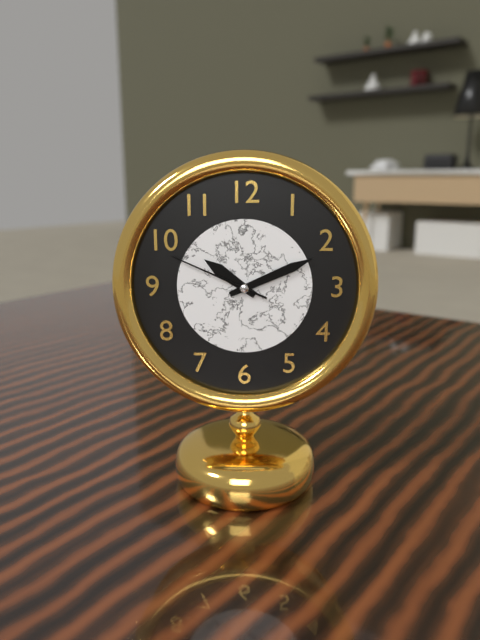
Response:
h=10 m=11 s=49
